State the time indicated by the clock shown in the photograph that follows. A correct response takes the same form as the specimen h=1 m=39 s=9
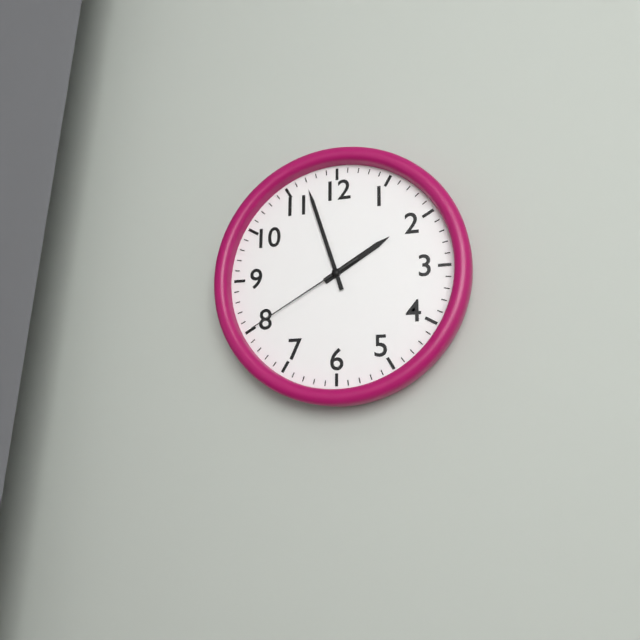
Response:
h=1 m=57 s=40
